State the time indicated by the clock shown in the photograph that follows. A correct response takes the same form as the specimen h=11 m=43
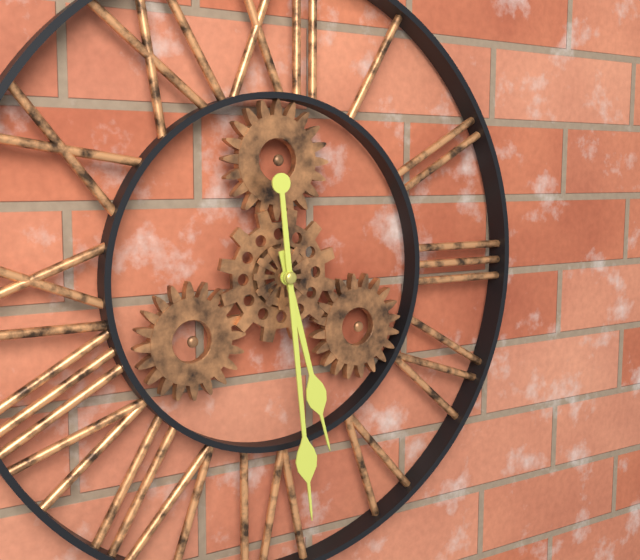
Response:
h=5 m=29
